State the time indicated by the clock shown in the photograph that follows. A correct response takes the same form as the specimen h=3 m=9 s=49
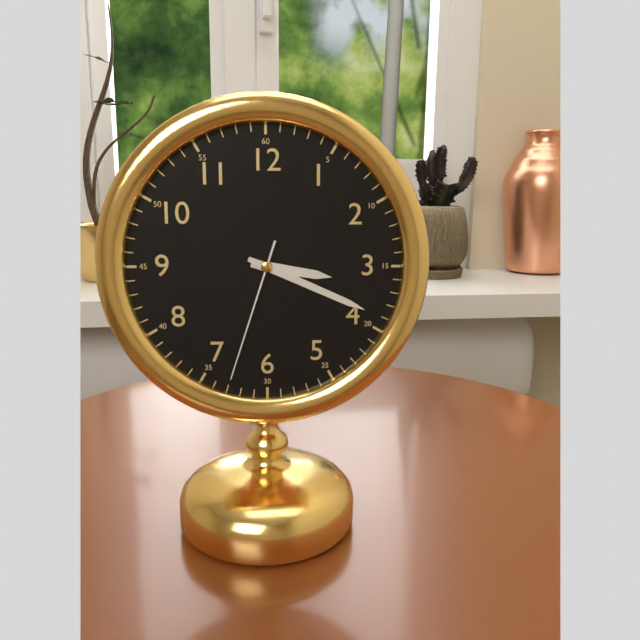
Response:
h=3 m=19 s=33
